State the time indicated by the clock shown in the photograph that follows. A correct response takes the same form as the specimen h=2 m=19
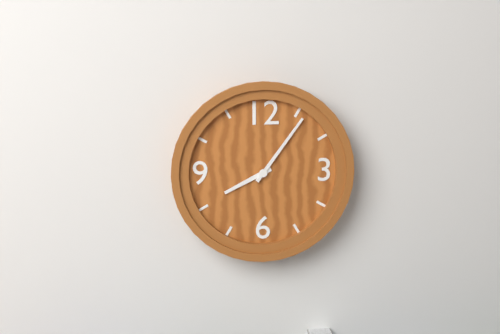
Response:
h=8 m=6
